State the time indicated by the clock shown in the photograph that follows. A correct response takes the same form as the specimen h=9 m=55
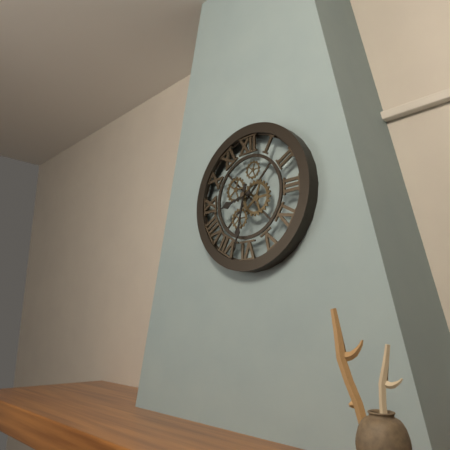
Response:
h=8 m=32
